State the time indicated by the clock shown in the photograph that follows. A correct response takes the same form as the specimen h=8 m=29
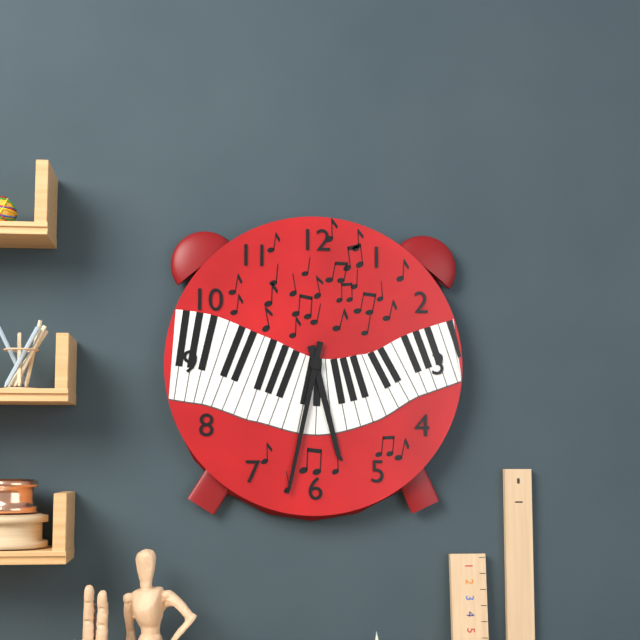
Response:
h=5 m=32
